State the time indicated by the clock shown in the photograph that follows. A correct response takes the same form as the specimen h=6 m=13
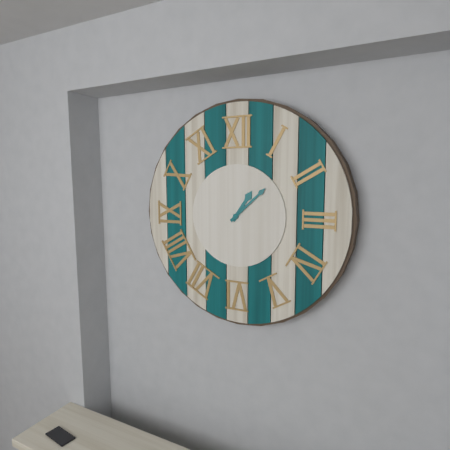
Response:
h=1 m=8
